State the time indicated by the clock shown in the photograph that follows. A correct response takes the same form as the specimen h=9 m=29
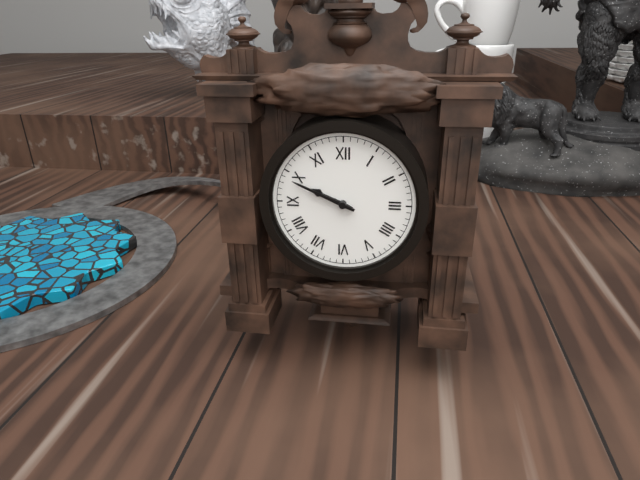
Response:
h=9 m=49
